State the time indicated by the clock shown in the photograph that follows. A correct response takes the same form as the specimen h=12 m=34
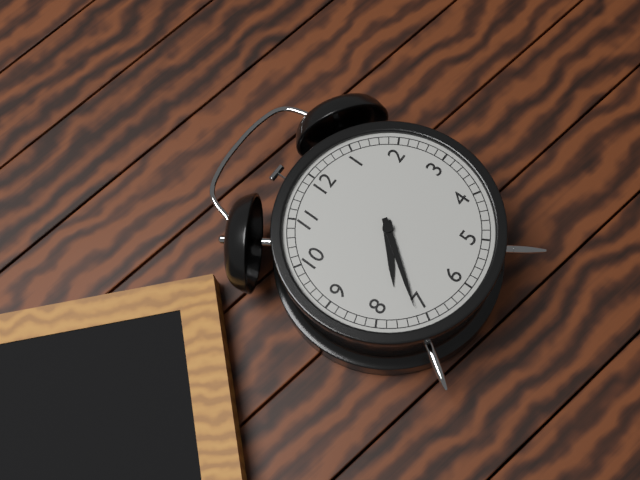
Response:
h=7 m=36
